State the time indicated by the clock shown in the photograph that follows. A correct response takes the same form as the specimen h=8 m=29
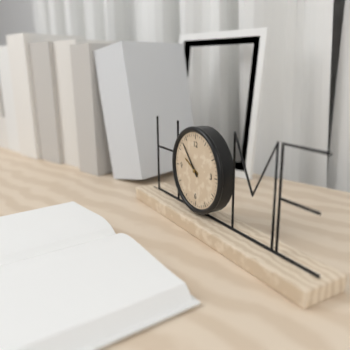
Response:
h=9 m=53
